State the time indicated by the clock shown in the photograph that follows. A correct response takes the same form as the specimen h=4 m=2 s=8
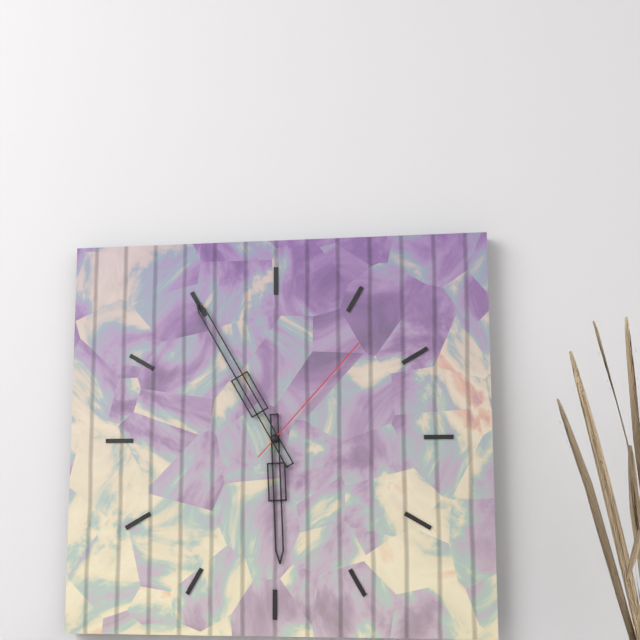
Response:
h=5 m=55 s=7
